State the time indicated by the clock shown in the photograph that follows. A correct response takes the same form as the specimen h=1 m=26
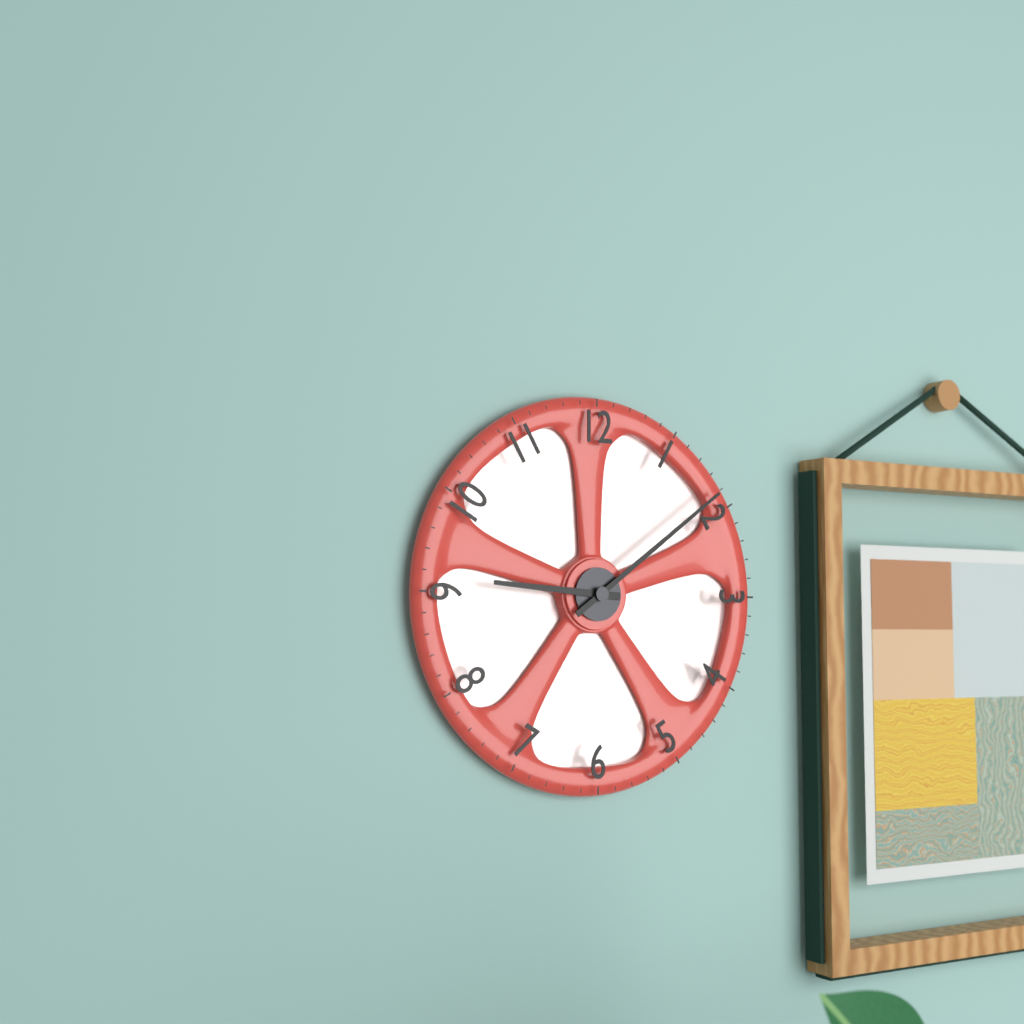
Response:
h=9 m=9
